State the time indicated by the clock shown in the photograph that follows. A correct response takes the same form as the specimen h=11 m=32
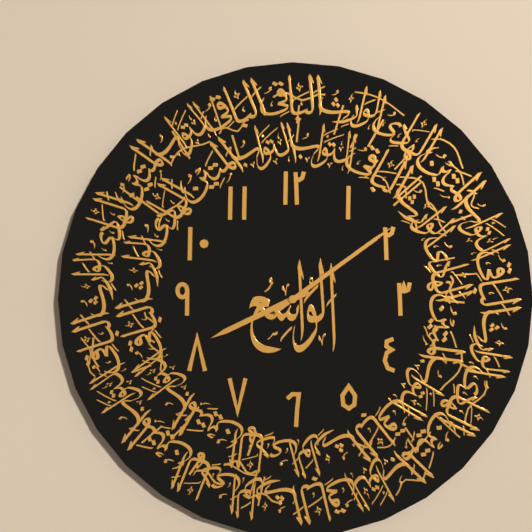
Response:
h=8 m=9
